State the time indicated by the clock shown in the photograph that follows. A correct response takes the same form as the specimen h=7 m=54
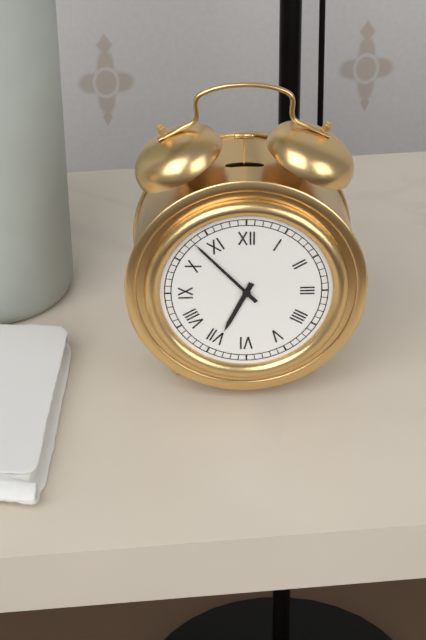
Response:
h=6 m=53
